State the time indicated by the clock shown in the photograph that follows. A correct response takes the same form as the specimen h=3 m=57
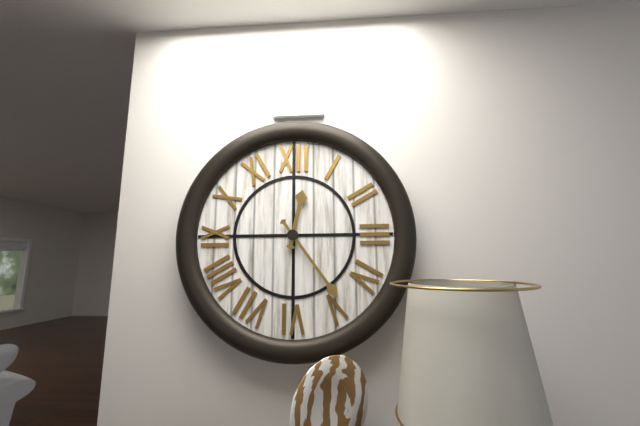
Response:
h=12 m=24
